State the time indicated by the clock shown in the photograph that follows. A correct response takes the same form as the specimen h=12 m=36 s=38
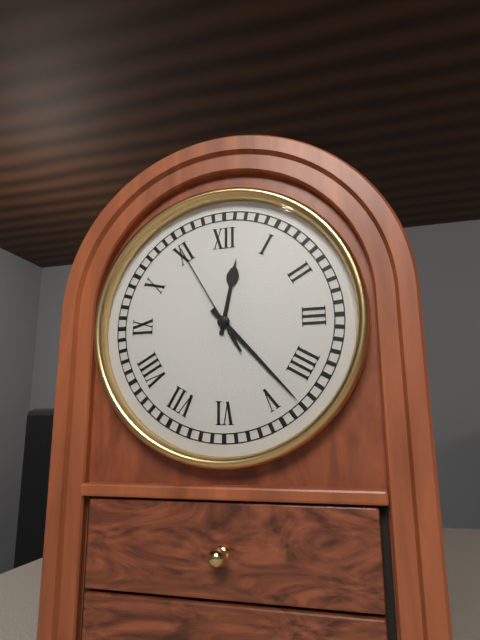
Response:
h=12 m=23 s=55
